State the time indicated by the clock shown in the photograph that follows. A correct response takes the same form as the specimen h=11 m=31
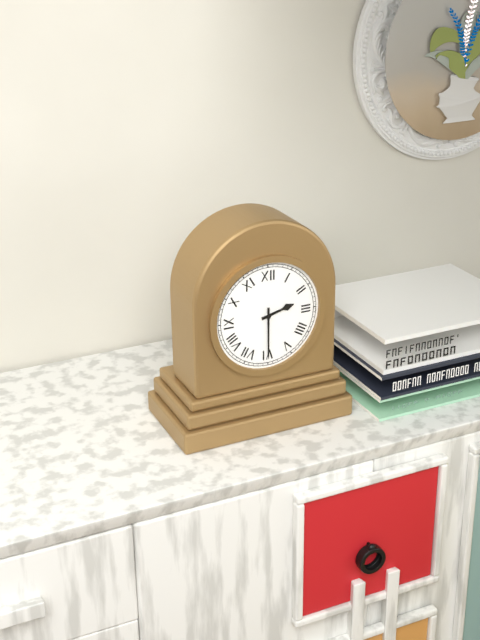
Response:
h=2 m=30
